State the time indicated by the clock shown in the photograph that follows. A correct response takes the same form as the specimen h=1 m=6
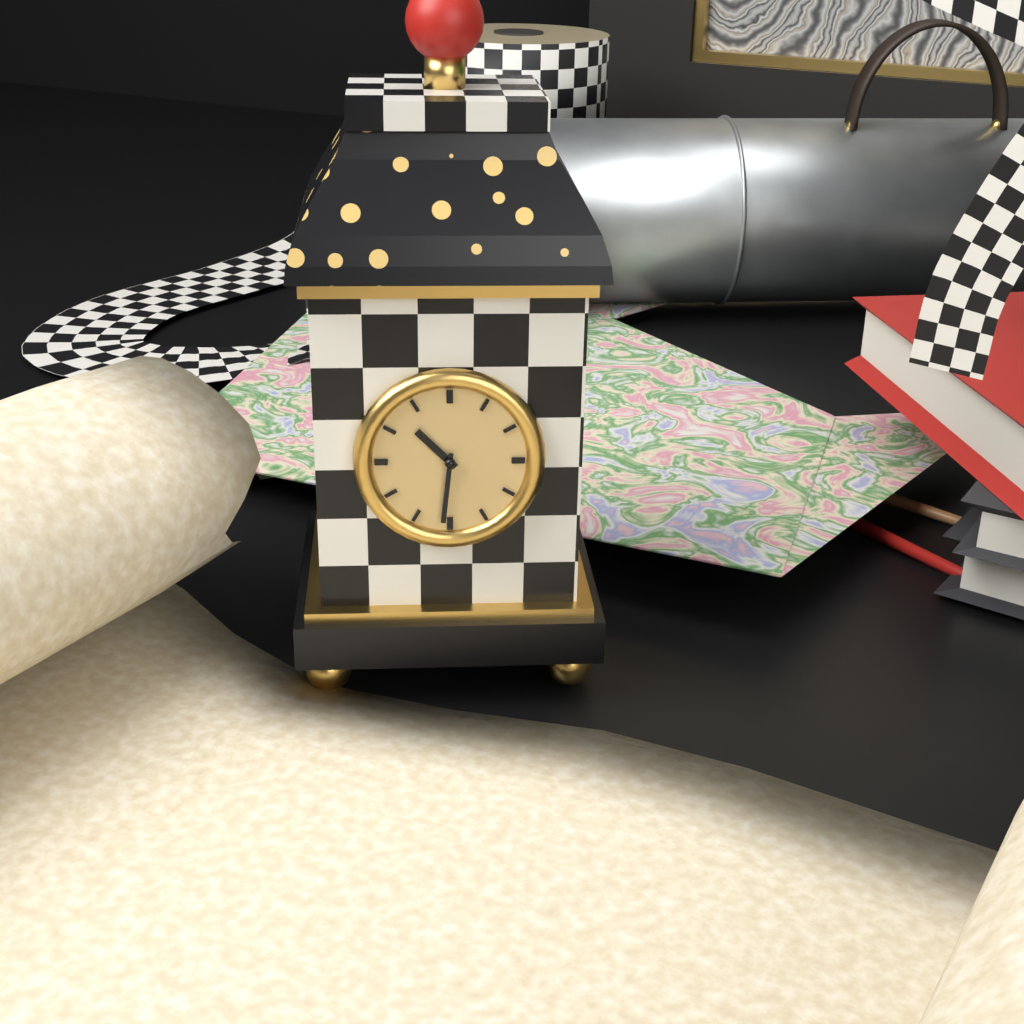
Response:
h=10 m=31
